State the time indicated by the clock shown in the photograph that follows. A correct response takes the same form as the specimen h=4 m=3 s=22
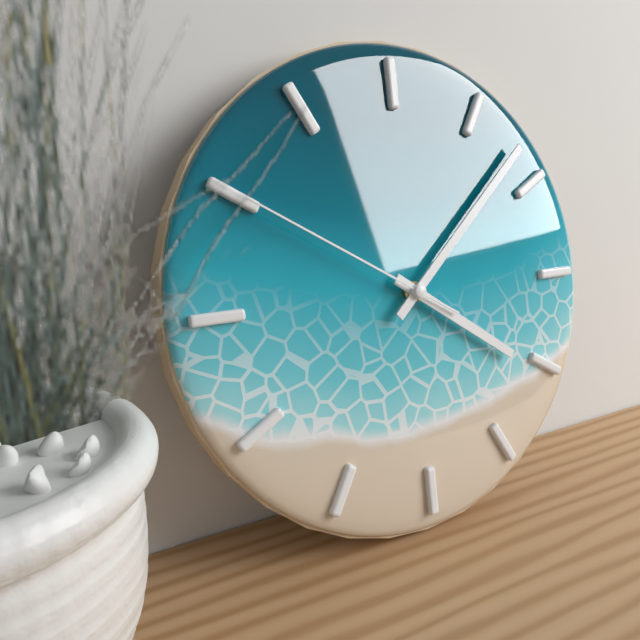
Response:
h=4 m=8 s=50
